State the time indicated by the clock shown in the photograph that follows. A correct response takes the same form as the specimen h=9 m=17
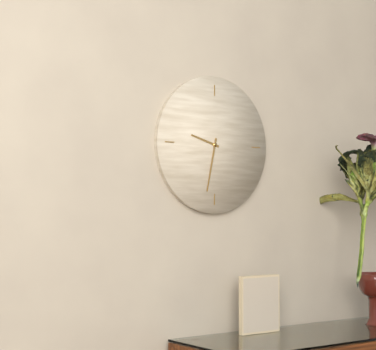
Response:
h=9 m=32
